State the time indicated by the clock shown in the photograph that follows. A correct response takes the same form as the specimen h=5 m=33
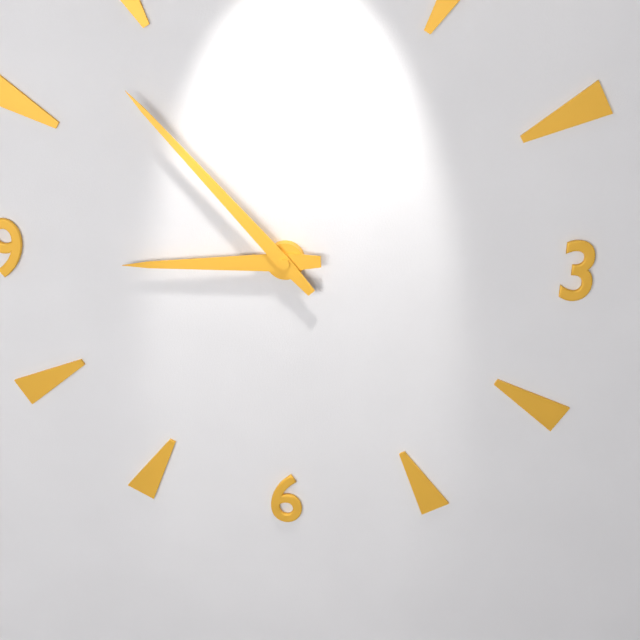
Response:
h=8 m=53
